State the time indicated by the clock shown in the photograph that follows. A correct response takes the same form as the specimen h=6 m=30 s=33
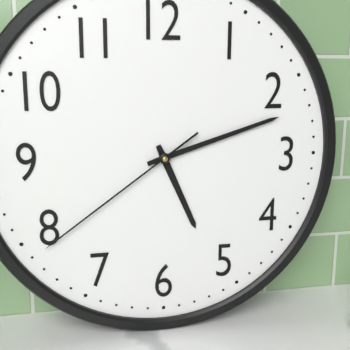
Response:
h=5 m=12 s=39
